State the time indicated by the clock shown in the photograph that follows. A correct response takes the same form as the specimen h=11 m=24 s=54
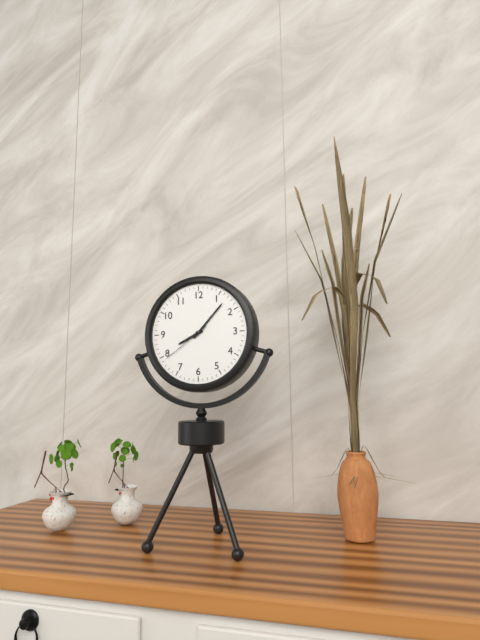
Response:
h=8 m=7 s=39
